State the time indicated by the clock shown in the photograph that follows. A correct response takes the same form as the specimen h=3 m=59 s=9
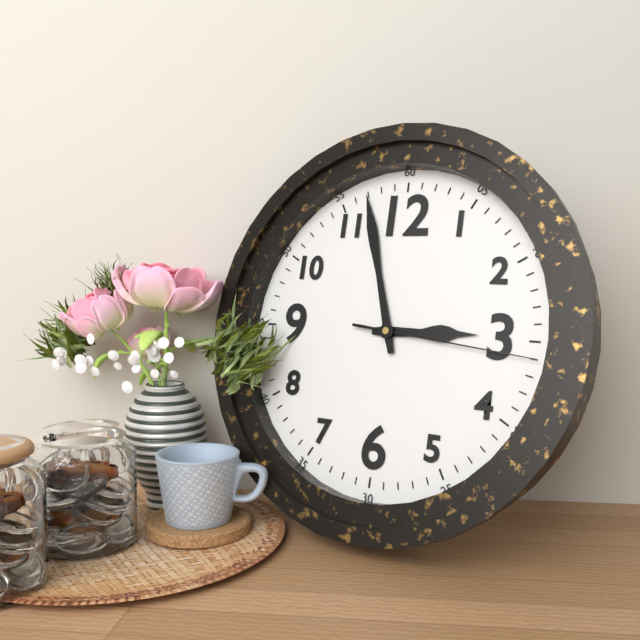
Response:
h=2 m=57 s=16
